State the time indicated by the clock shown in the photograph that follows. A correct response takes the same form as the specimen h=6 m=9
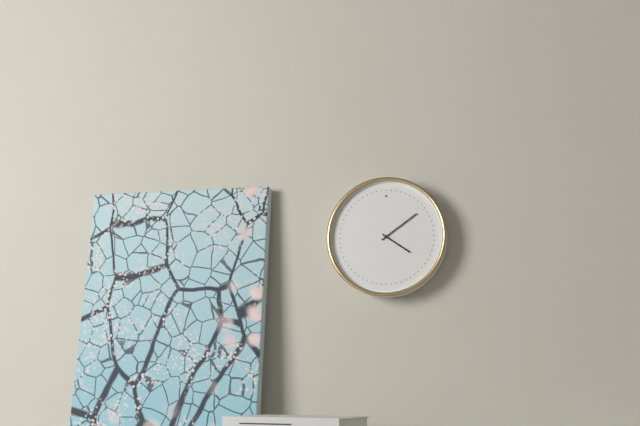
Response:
h=4 m=9
